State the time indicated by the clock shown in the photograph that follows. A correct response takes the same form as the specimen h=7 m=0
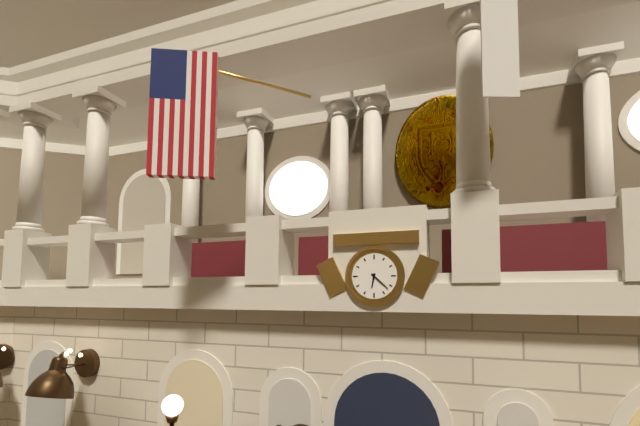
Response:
h=6 m=22
